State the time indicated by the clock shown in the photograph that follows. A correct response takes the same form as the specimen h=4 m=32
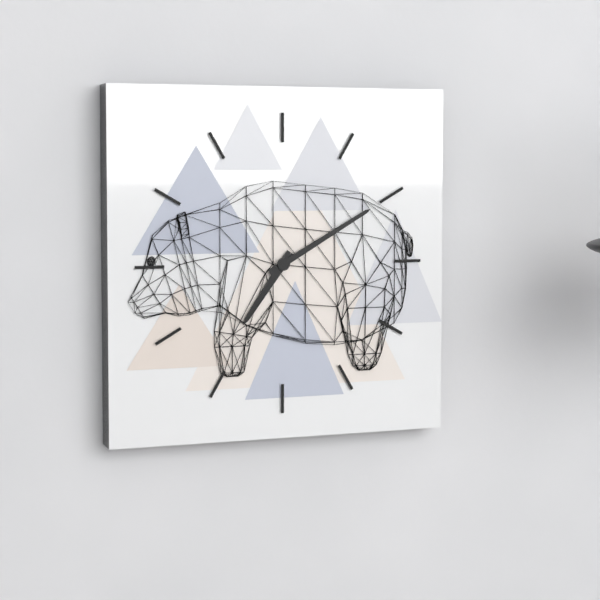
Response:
h=7 m=10
